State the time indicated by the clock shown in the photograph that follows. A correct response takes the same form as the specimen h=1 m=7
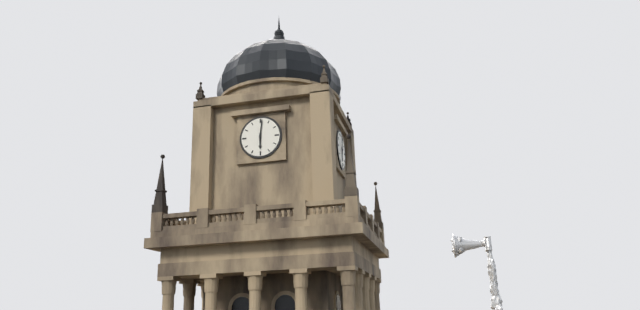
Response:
h=6 m=1
